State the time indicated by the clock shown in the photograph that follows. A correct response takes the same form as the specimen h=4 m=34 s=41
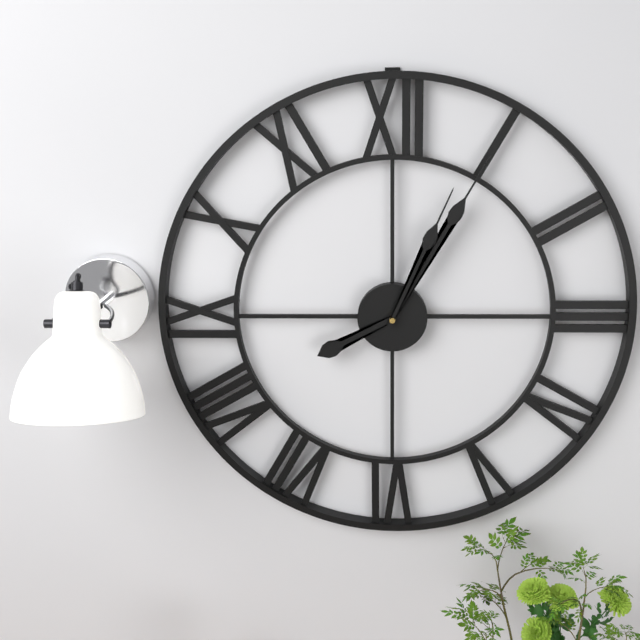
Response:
h=8 m=5 s=4
